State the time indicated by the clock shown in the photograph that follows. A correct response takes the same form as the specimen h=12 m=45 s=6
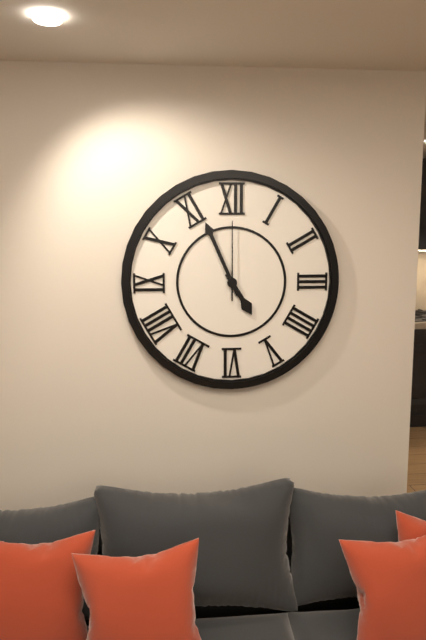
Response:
h=4 m=56 s=0
